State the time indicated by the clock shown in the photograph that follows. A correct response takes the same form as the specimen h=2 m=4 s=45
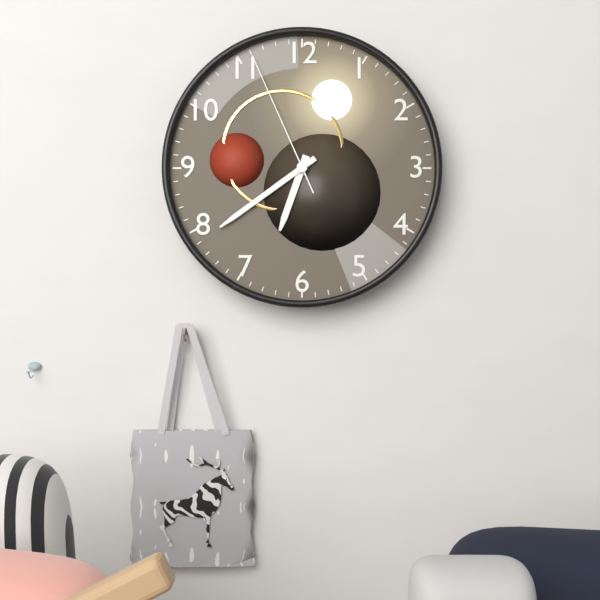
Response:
h=6 m=39 s=56
